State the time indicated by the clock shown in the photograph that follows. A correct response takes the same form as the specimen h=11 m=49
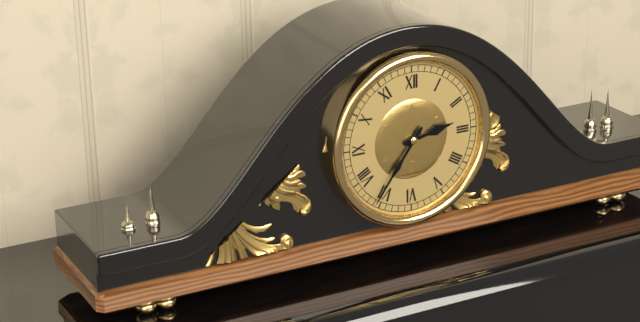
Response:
h=2 m=36
